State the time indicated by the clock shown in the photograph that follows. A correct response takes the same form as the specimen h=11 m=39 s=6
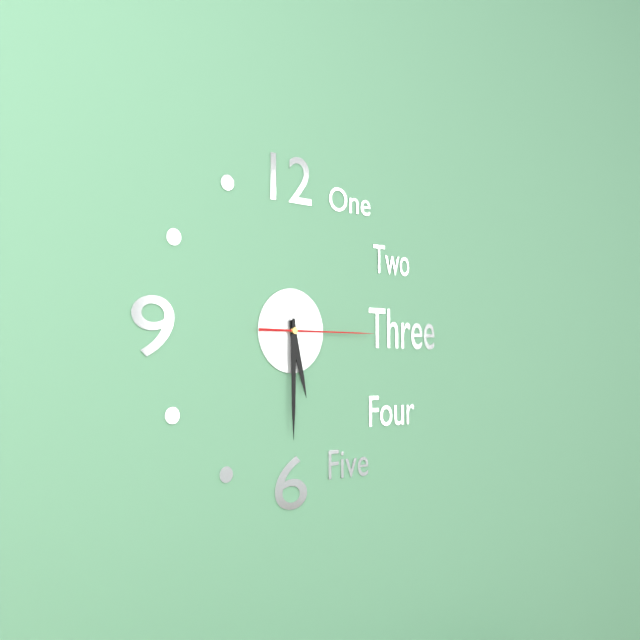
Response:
h=5 m=30 s=15
